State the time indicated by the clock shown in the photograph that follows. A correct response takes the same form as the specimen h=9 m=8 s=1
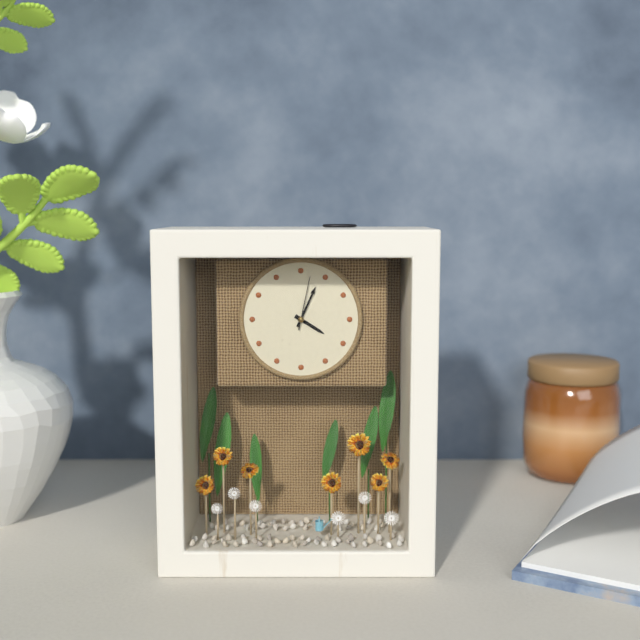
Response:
h=4 m=4 s=2
